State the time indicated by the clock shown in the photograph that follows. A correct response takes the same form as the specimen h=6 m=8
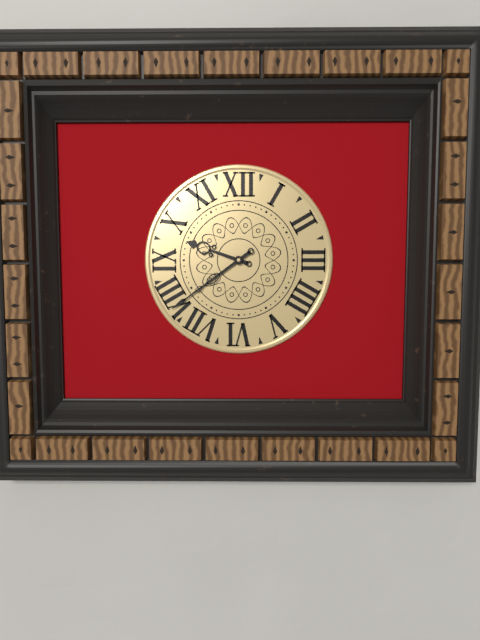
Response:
h=9 m=39
